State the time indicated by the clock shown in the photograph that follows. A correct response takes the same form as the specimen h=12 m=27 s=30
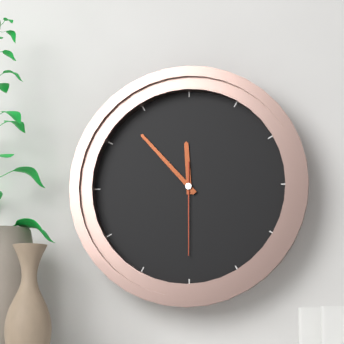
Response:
h=11 m=53 s=30
